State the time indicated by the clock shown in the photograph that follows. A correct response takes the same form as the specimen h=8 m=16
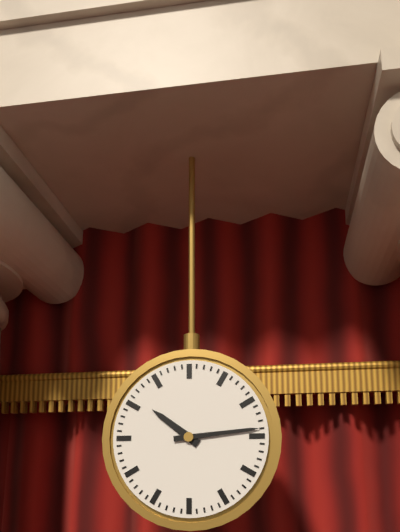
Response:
h=10 m=14
